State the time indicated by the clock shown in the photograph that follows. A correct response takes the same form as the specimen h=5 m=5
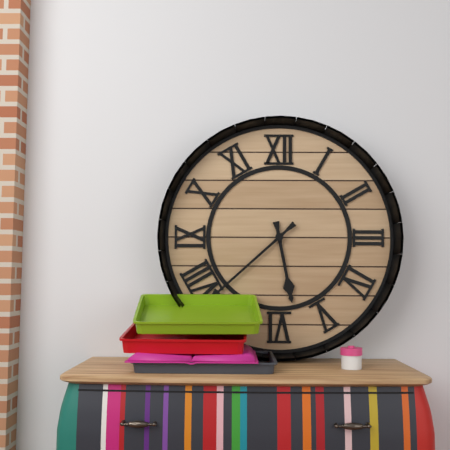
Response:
h=5 m=38
